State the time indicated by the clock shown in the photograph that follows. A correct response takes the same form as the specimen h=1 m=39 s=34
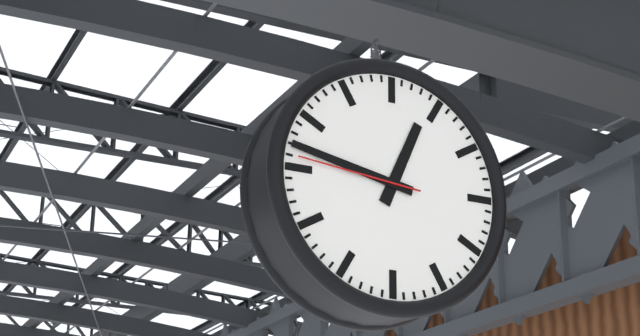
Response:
h=12 m=47 s=46
